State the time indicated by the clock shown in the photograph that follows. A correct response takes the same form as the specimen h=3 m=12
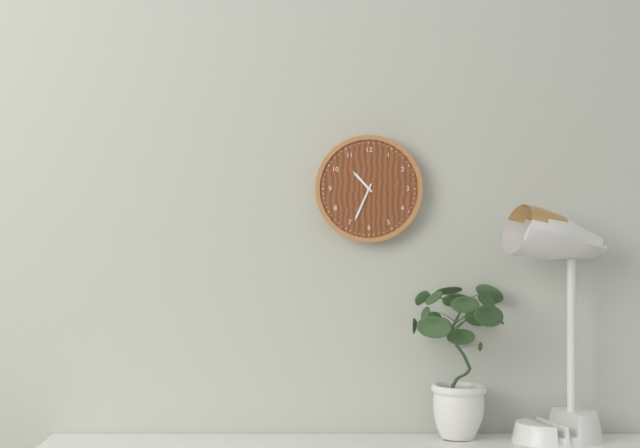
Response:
h=10 m=34
